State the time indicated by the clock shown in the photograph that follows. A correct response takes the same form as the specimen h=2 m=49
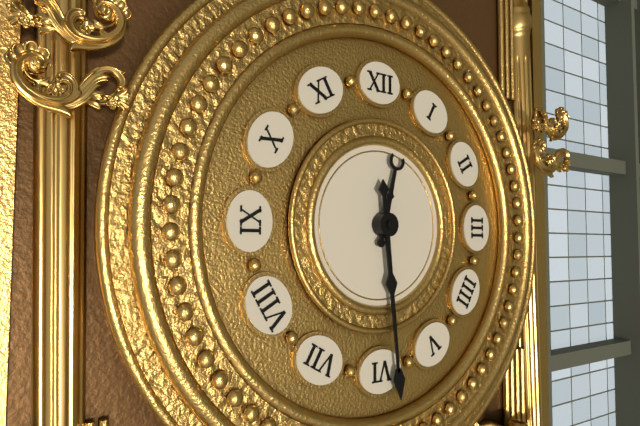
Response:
h=12 m=29
